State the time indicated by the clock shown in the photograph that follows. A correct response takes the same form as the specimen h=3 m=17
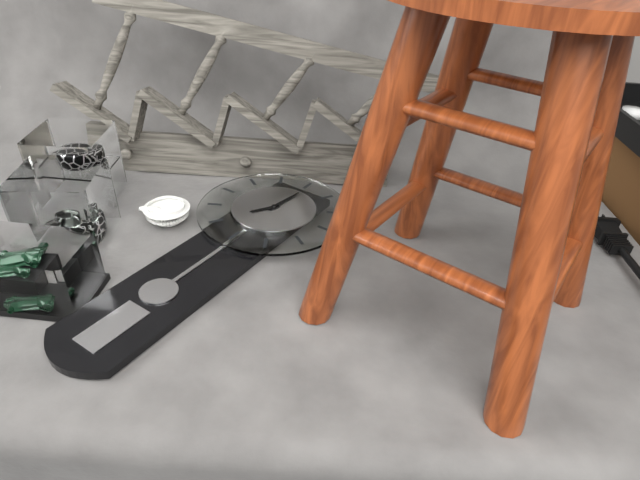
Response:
h=7 m=1
